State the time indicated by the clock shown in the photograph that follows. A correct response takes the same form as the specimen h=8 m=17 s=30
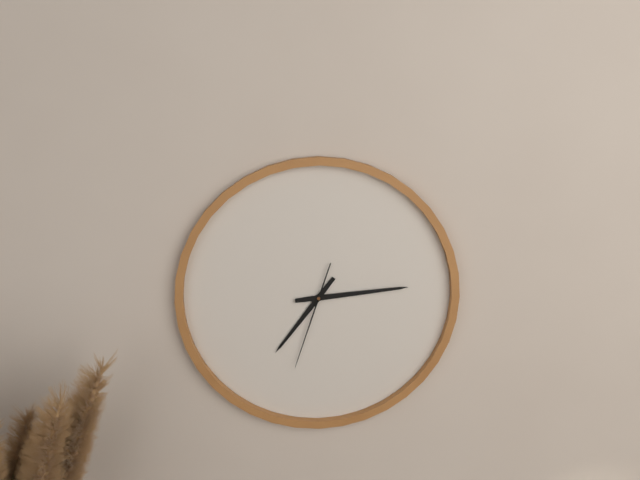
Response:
h=7 m=14 s=33
